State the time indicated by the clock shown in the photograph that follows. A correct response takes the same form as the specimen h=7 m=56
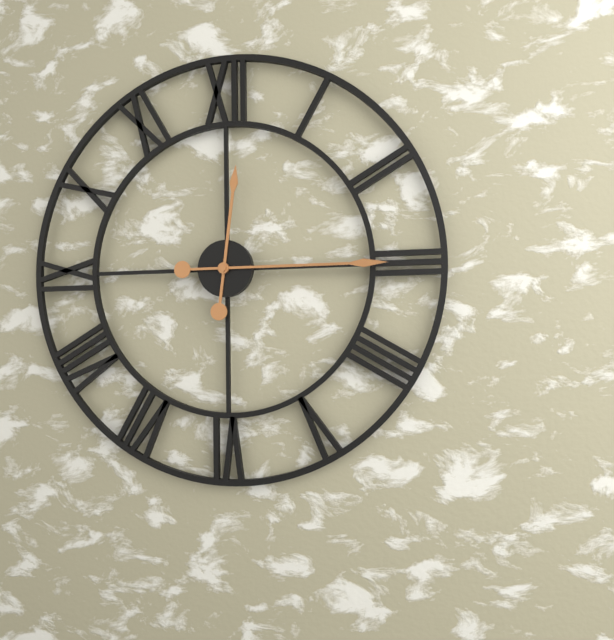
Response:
h=12 m=15
